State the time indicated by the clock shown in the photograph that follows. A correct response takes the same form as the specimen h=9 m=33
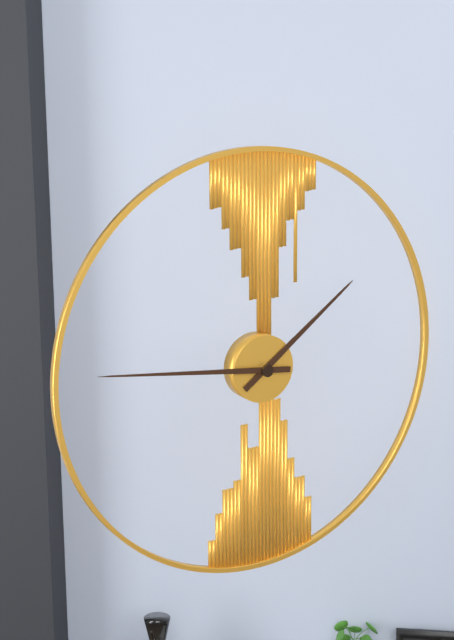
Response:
h=1 m=46
